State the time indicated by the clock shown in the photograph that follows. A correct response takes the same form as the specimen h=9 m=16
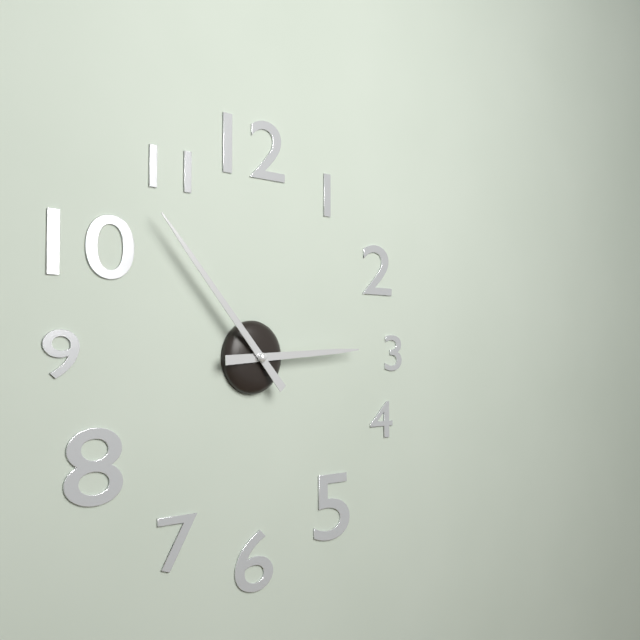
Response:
h=2 m=53
